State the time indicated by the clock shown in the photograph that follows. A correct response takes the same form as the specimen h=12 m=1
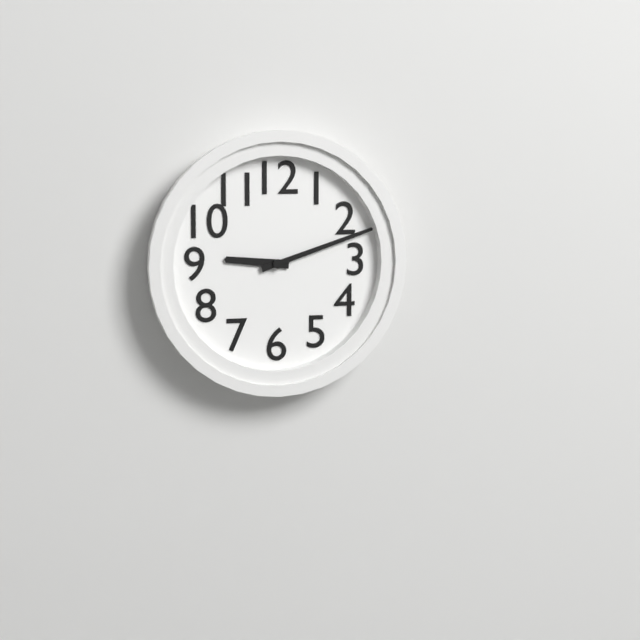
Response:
h=9 m=12
